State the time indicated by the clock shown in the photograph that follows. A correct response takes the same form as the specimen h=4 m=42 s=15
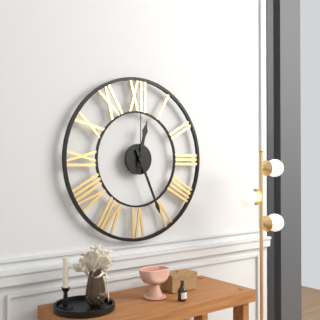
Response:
h=12 m=26 s=0
